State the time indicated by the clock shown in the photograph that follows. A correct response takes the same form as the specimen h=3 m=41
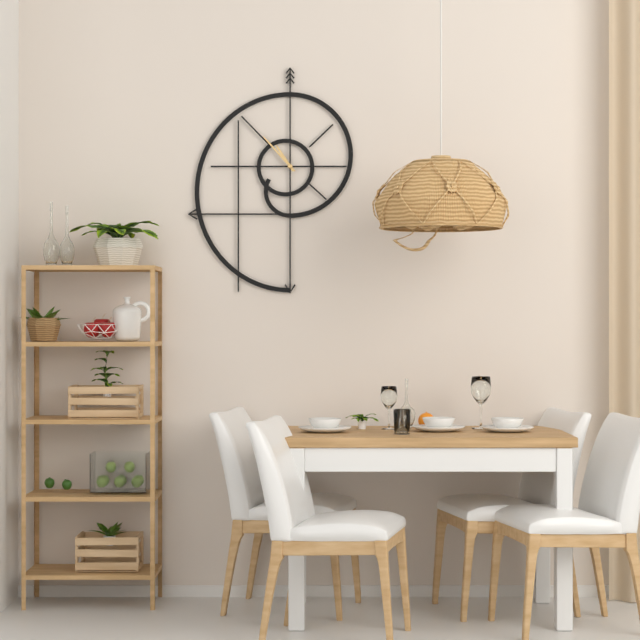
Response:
h=10 m=53
